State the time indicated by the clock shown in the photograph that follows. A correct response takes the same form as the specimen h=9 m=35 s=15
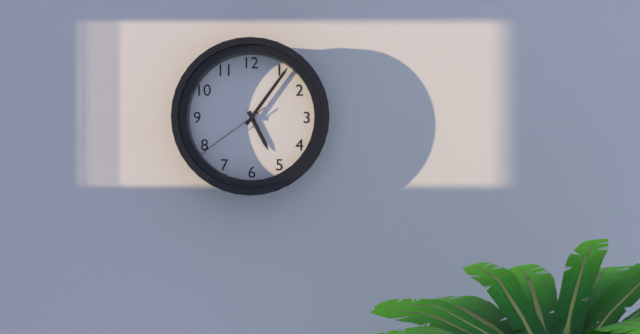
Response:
h=5 m=6 s=39
